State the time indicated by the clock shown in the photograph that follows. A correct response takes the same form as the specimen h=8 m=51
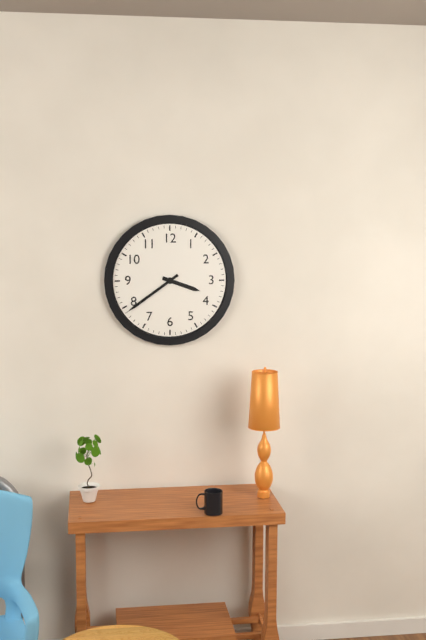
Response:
h=3 m=39
